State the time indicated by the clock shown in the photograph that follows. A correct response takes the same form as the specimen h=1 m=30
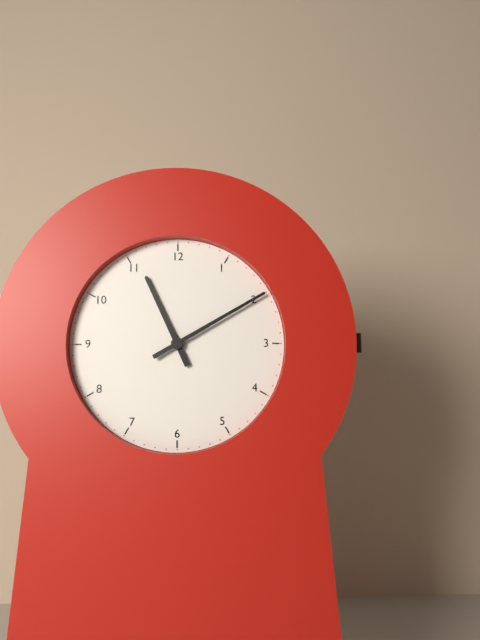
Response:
h=11 m=10
